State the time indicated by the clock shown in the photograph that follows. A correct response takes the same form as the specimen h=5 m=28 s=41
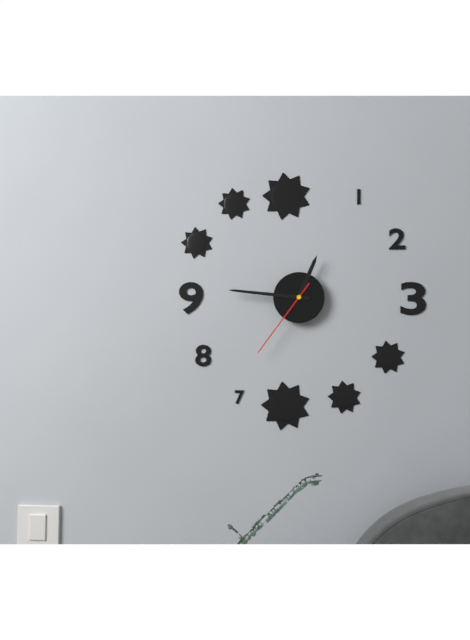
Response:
h=12 m=46 s=36
